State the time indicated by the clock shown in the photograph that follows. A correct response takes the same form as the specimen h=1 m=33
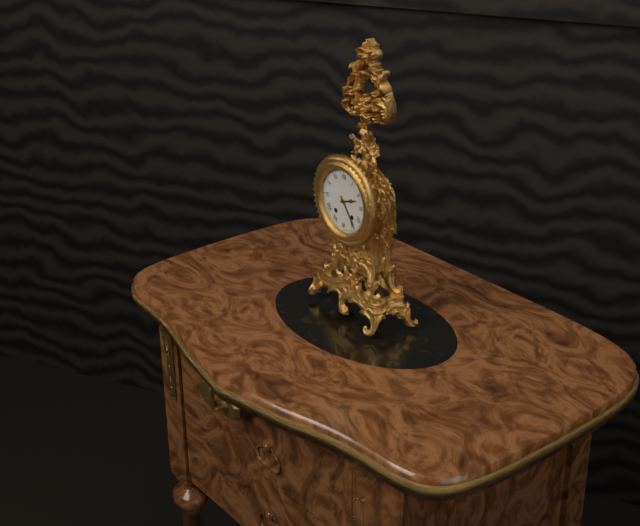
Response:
h=2 m=24
